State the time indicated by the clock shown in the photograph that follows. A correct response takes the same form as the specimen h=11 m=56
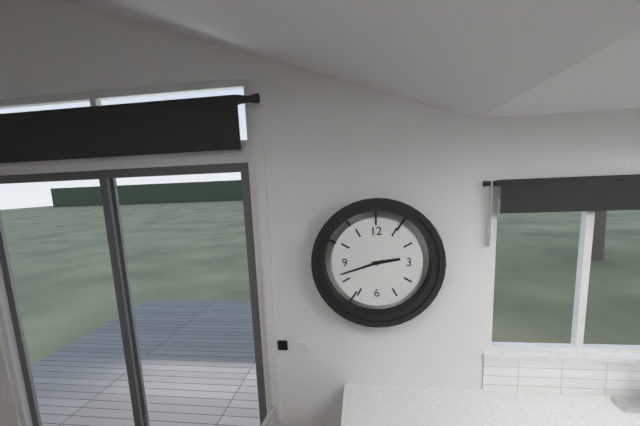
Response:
h=2 m=42
